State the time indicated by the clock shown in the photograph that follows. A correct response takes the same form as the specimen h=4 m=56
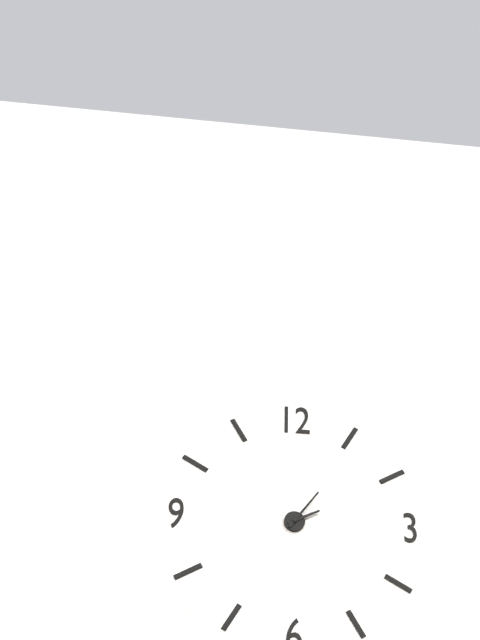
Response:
h=2 m=6
